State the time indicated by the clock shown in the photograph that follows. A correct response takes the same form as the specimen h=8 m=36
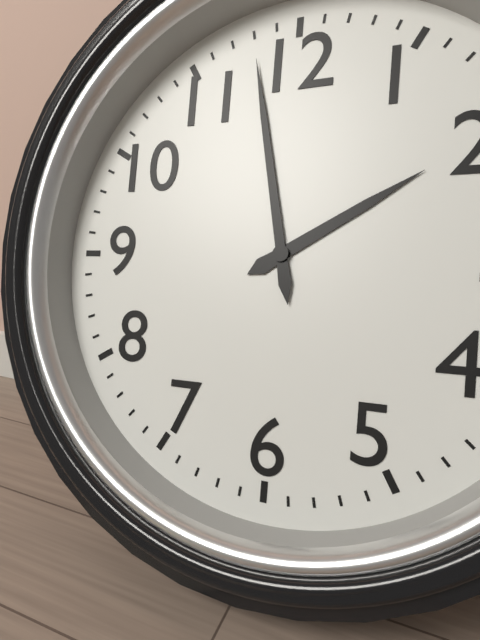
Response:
h=1 m=58
